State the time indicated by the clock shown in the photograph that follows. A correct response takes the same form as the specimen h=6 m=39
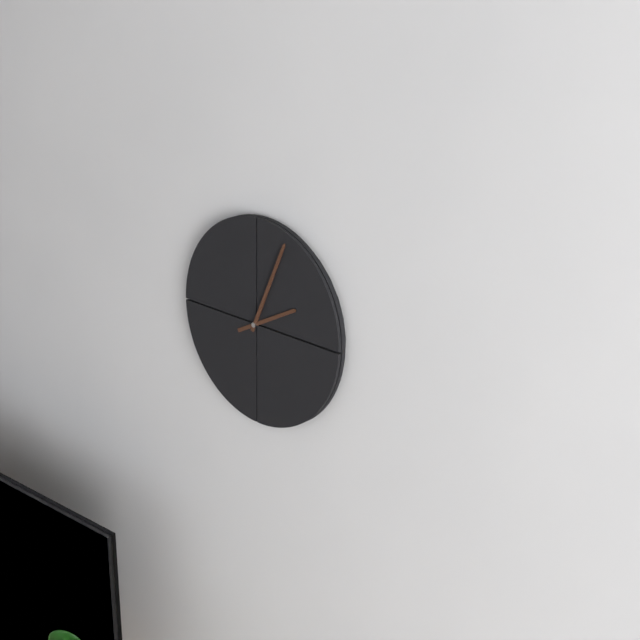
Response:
h=2 m=4
